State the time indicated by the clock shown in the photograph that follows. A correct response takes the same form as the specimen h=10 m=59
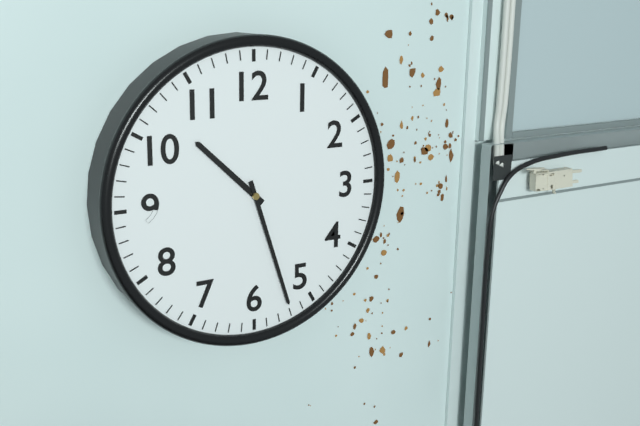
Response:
h=10 m=27
